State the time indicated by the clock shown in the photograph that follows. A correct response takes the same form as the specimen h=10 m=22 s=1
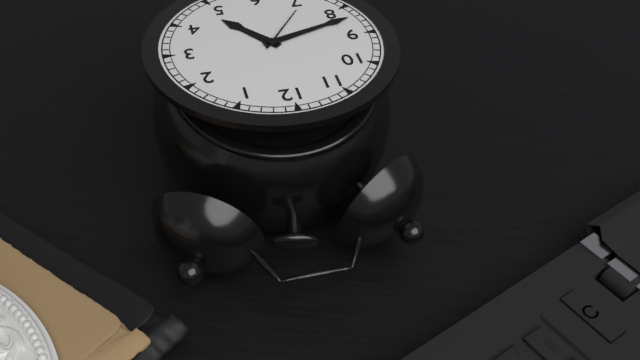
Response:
h=4 m=42 s=36
